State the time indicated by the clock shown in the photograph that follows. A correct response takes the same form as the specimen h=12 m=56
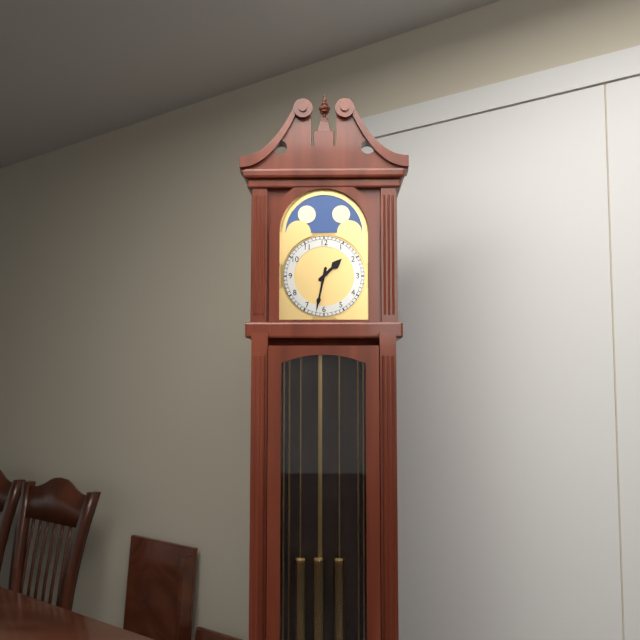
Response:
h=1 m=32
